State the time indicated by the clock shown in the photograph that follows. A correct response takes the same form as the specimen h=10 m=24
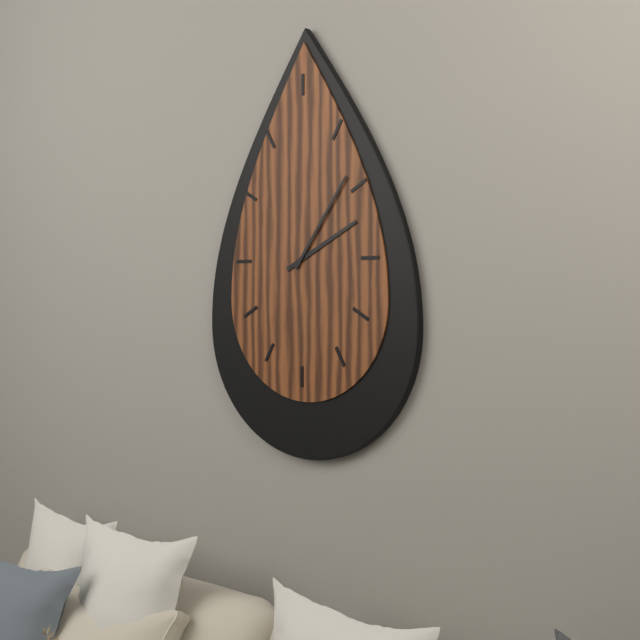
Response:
h=2 m=6
